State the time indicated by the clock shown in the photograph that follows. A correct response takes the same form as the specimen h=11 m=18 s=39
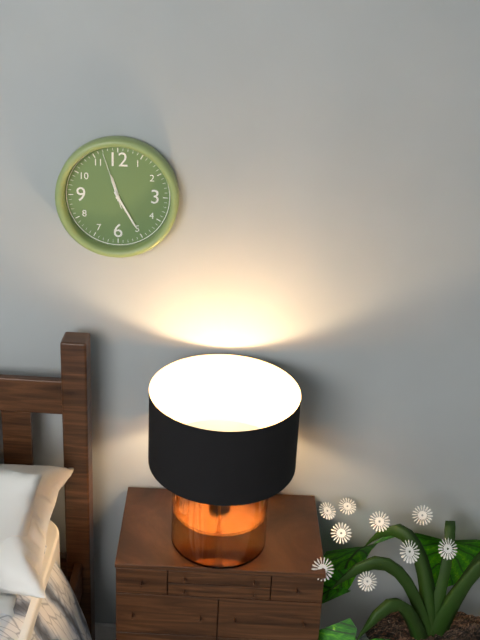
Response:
h=11 m=25 s=57
